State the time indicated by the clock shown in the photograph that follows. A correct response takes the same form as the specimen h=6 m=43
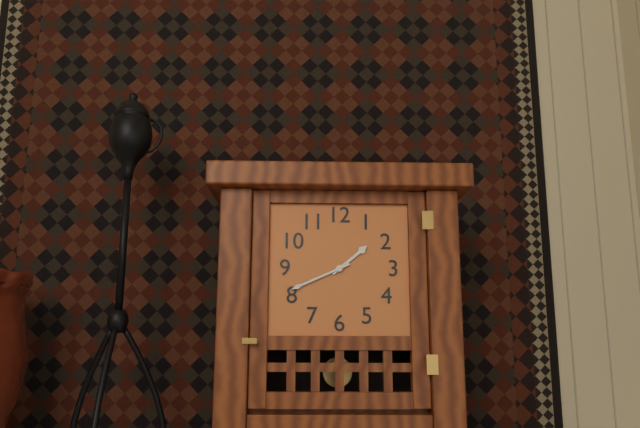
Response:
h=1 m=41
